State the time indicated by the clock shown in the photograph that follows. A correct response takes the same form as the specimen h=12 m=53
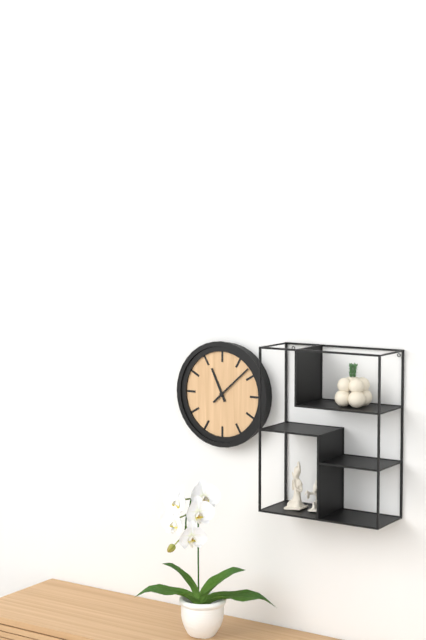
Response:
h=11 m=8
